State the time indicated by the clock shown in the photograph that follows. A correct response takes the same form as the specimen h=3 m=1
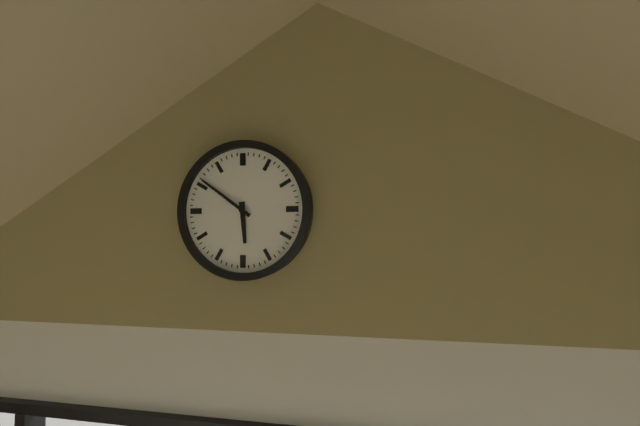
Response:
h=5 m=51
